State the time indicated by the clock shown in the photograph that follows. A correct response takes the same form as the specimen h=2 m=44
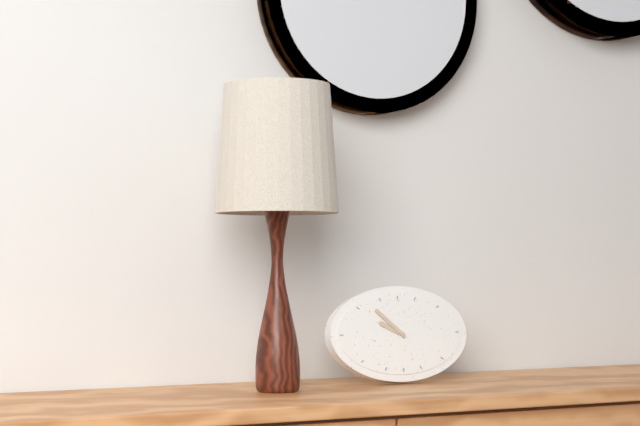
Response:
h=9 m=52
